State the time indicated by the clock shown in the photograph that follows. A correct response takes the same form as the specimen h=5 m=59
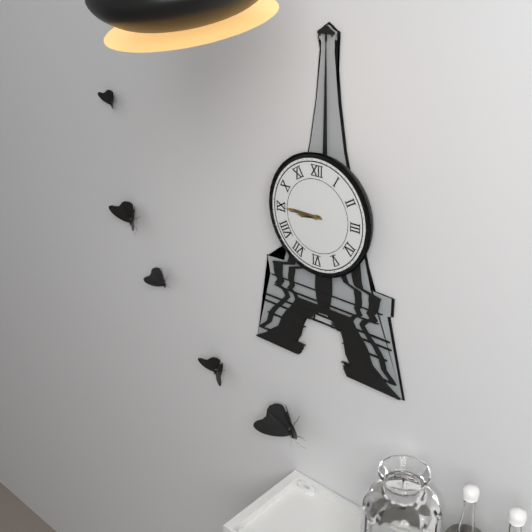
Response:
h=8 m=45
